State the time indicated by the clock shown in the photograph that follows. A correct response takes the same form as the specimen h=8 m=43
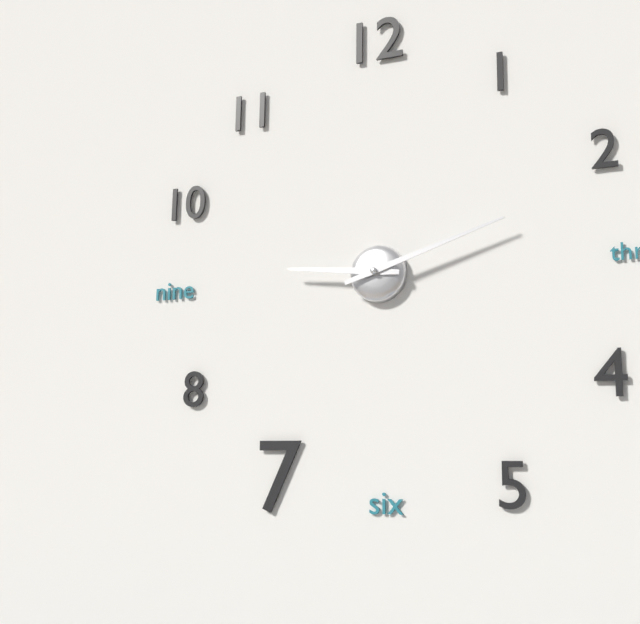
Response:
h=9 m=12
